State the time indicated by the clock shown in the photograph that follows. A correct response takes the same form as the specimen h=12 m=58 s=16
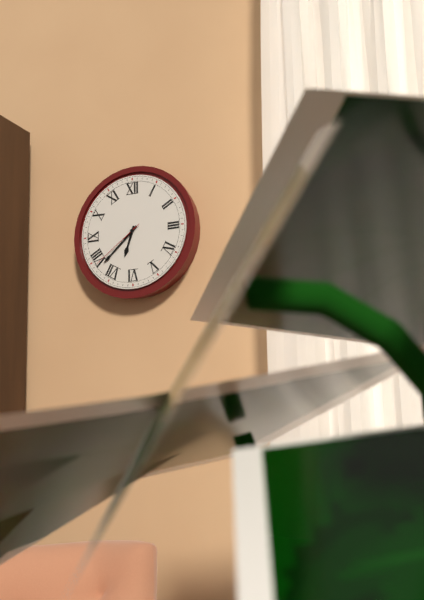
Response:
h=6 m=38 s=39
